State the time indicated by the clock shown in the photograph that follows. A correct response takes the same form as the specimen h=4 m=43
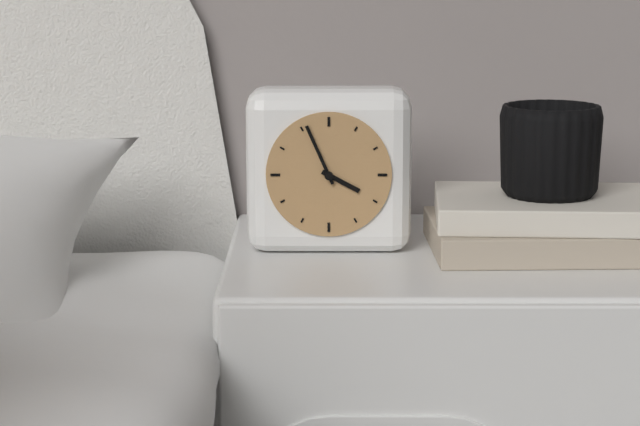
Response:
h=3 m=56
